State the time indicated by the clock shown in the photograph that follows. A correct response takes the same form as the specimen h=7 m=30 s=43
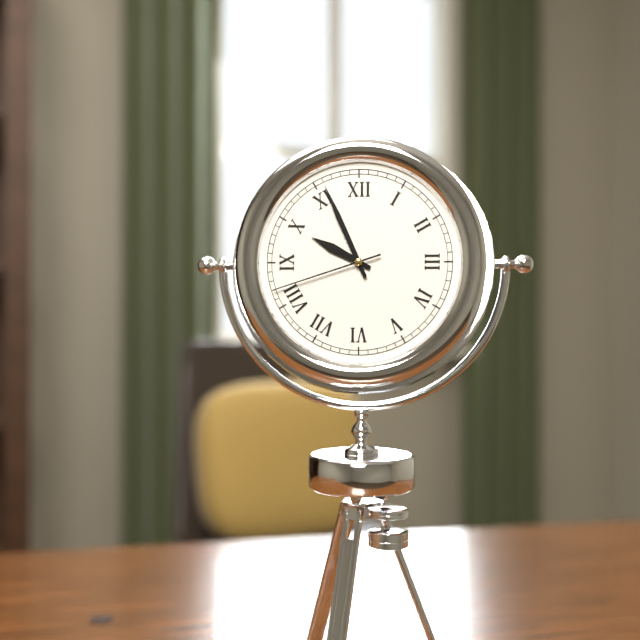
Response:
h=9 m=56 s=42
